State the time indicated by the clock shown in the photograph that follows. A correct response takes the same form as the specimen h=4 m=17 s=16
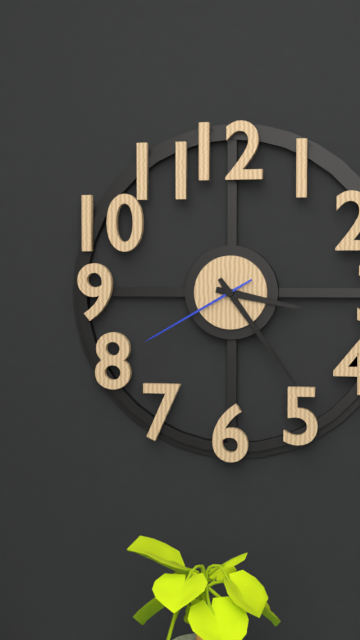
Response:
h=3 m=24 s=40
